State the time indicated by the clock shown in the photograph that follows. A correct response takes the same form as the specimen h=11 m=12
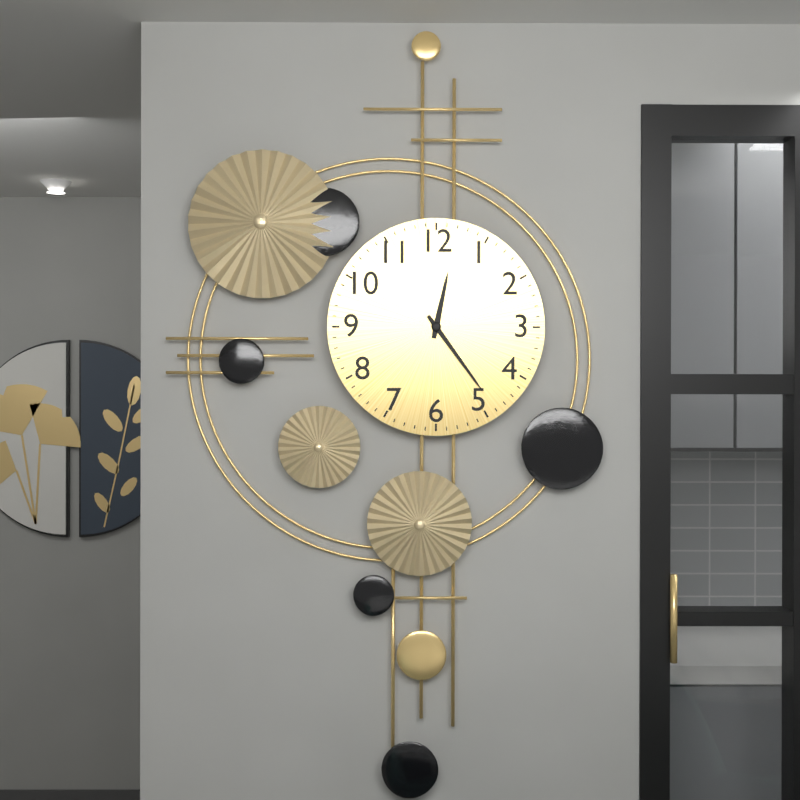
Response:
h=12 m=24
